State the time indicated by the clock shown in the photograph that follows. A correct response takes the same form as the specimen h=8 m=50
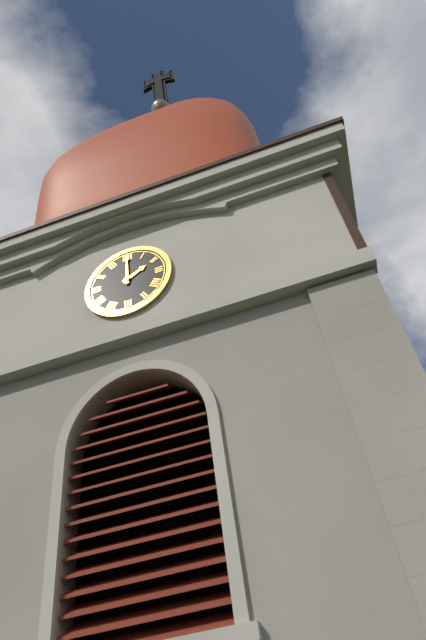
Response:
h=2 m=0
